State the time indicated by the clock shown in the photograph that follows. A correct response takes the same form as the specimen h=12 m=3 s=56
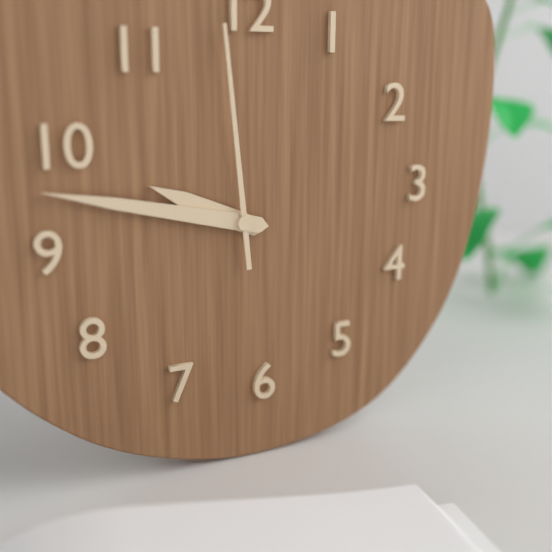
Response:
h=9 m=47 s=59
